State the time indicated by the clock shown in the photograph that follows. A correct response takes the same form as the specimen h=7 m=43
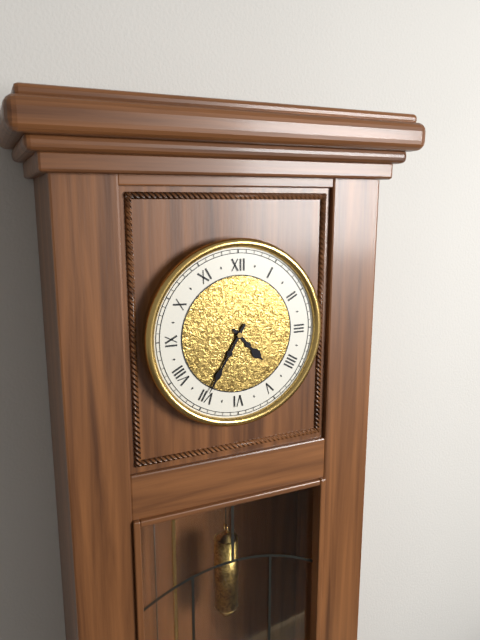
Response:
h=4 m=35
